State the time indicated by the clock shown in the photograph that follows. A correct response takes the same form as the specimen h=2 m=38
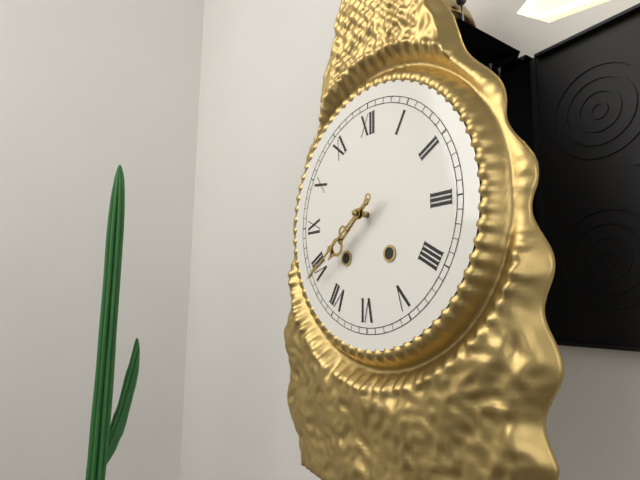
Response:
h=7 m=39
